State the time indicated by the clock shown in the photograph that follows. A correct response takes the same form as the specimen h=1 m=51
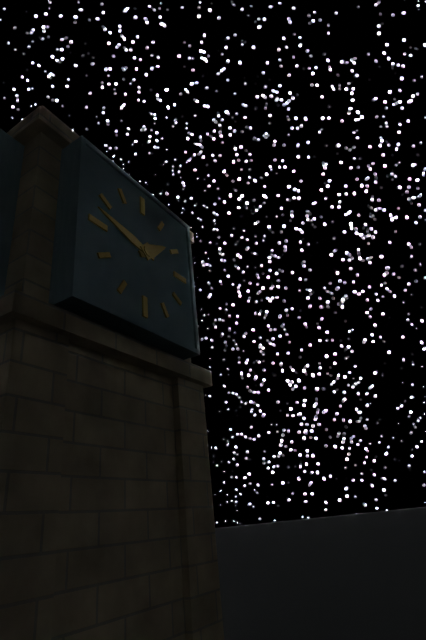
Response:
h=1 m=47
